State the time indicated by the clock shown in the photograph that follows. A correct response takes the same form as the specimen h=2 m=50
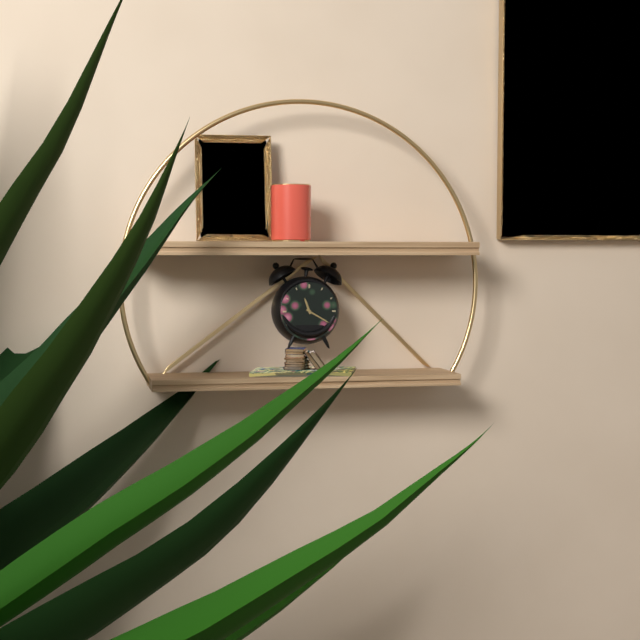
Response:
h=11 m=20
